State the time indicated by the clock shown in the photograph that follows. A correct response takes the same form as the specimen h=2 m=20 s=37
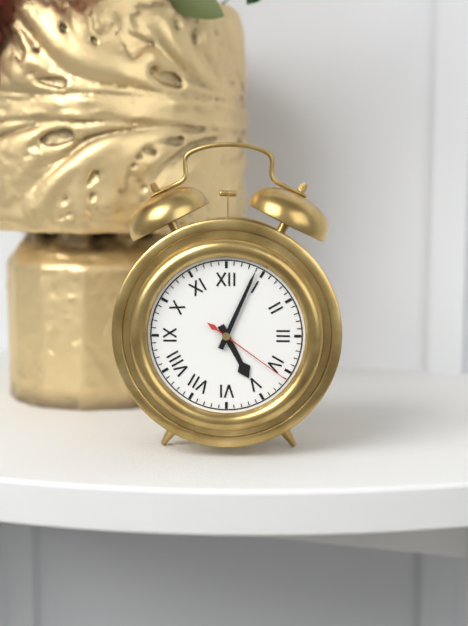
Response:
h=5 m=4 s=21
